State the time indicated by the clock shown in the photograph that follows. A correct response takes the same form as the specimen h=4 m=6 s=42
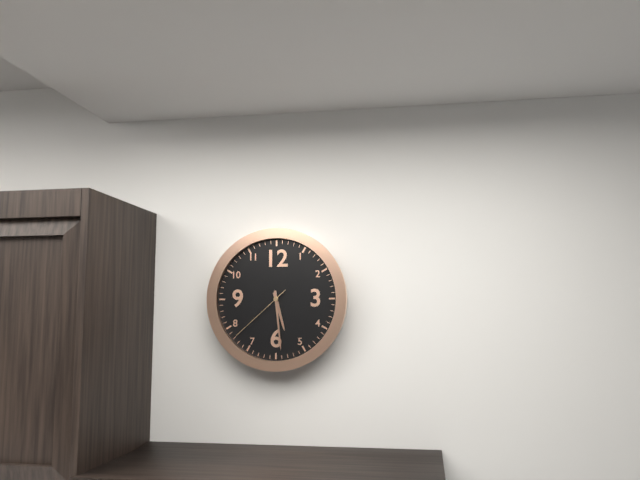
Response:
h=5 m=29 s=38
